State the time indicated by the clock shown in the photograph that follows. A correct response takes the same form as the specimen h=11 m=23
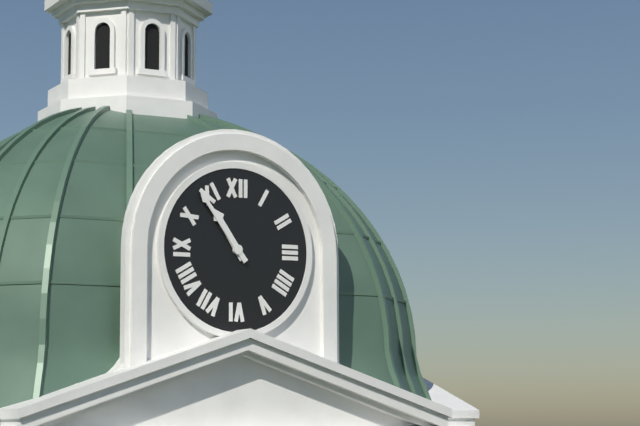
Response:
h=10 m=54
